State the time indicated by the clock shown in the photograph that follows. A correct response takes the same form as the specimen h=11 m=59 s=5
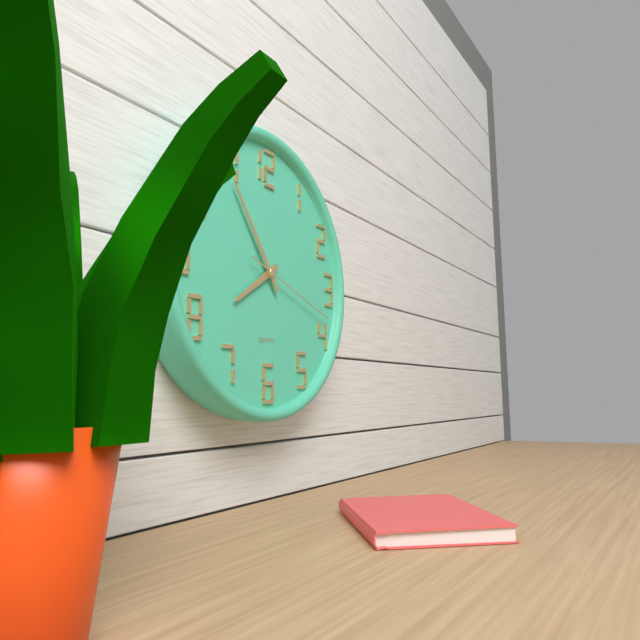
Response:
h=7 m=54 s=18
